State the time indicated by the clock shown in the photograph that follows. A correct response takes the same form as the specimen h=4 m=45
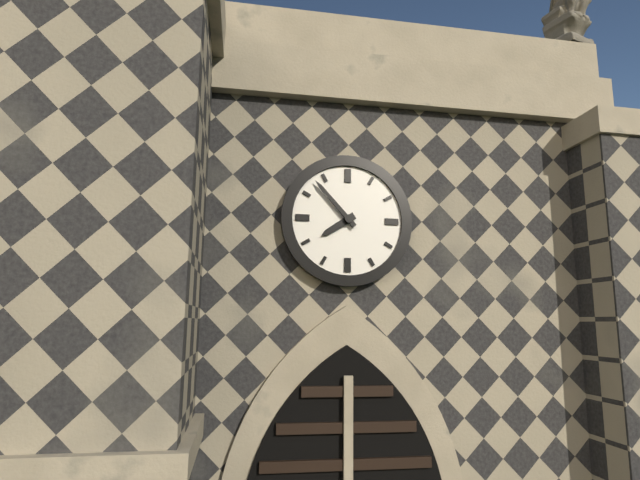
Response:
h=7 m=53
